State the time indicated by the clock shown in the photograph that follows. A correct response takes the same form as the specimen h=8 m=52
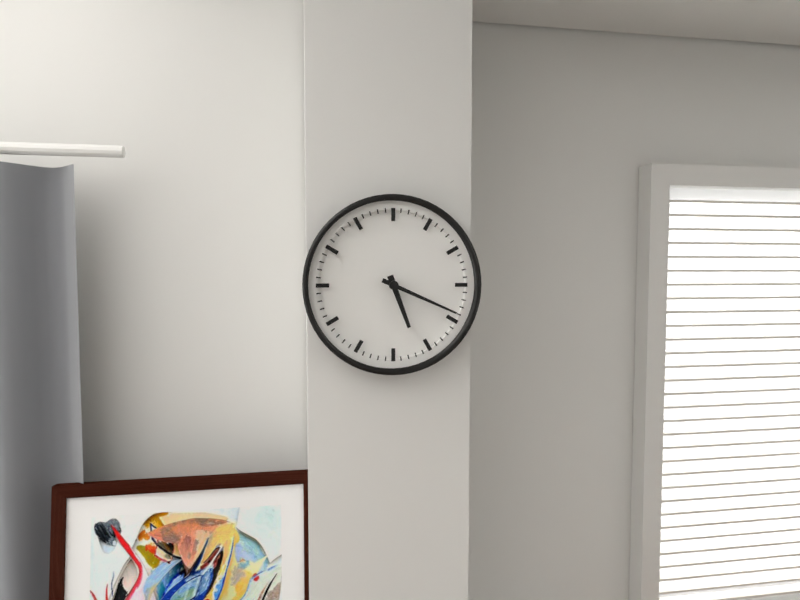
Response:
h=5 m=19
